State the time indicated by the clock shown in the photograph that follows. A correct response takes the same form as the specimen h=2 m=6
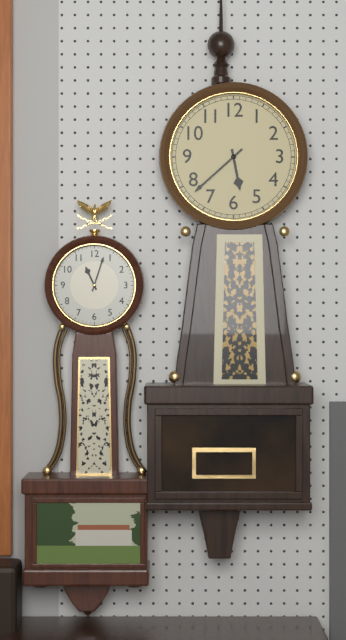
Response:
h=5 m=38
